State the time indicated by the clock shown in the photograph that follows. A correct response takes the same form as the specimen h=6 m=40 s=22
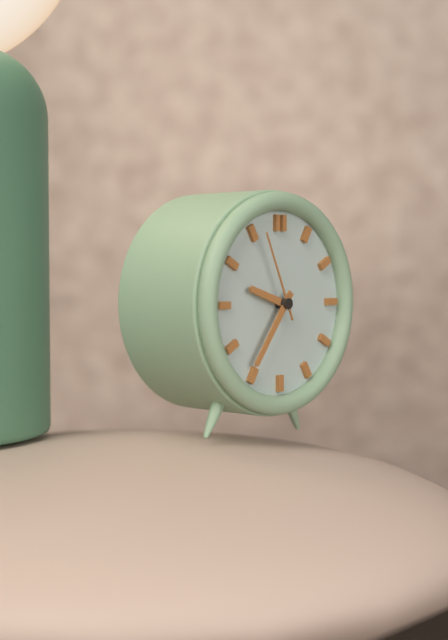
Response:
h=9 m=36 s=56
